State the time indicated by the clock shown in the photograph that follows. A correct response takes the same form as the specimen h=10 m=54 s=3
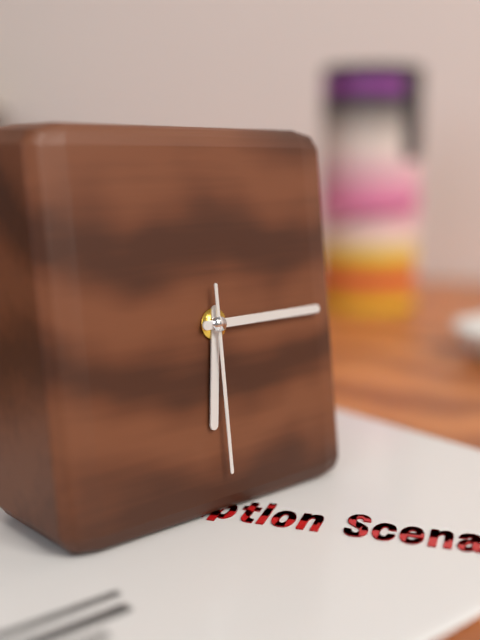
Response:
h=6 m=15 s=30
